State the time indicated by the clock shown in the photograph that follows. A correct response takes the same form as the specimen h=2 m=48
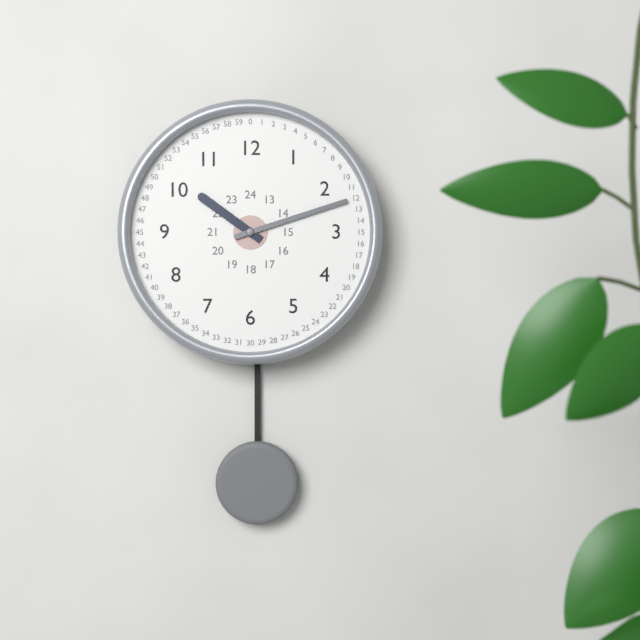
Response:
h=10 m=12
